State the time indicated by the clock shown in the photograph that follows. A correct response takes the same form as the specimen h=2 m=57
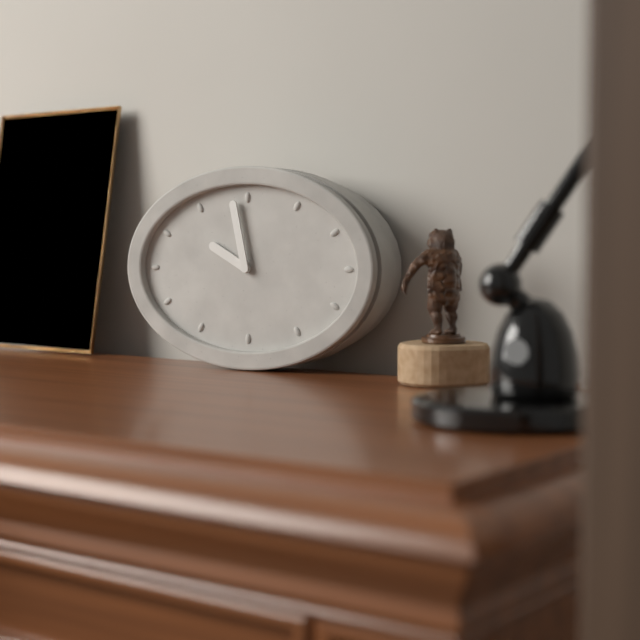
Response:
h=9 m=58
